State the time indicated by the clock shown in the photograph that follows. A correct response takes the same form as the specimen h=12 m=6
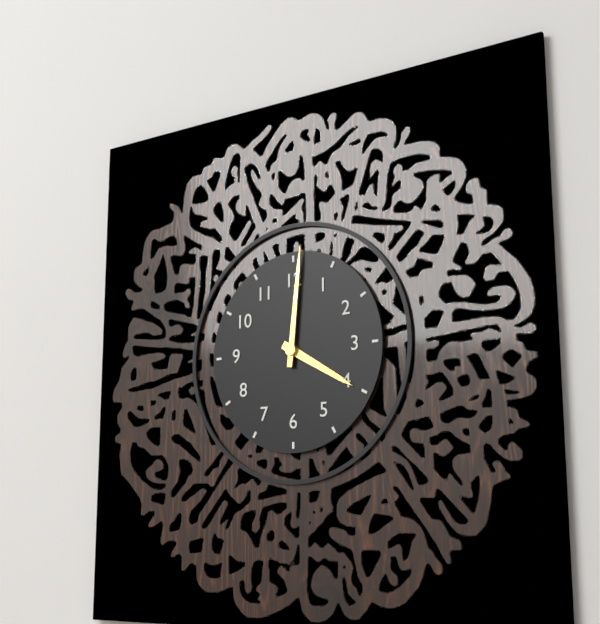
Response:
h=4 m=1
